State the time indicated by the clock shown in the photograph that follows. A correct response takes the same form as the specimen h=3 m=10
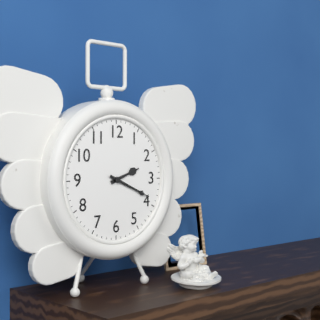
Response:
h=2 m=19
